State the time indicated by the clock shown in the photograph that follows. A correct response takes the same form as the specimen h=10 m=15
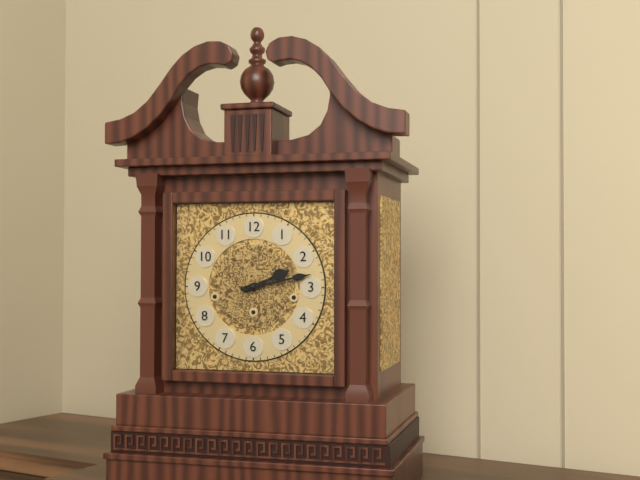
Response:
h=2 m=13
